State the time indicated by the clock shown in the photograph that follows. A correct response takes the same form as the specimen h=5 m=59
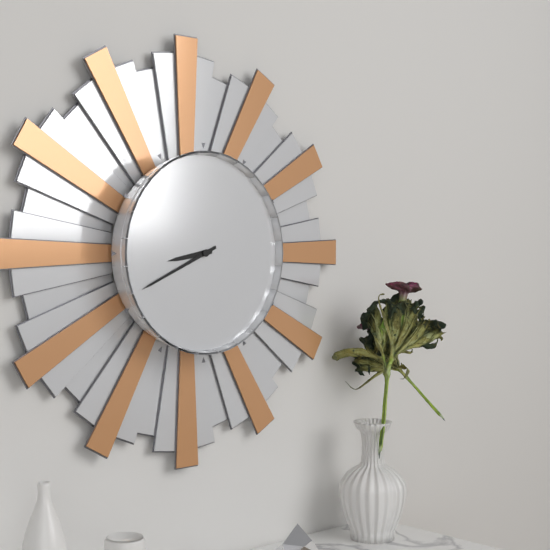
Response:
h=8 m=41
